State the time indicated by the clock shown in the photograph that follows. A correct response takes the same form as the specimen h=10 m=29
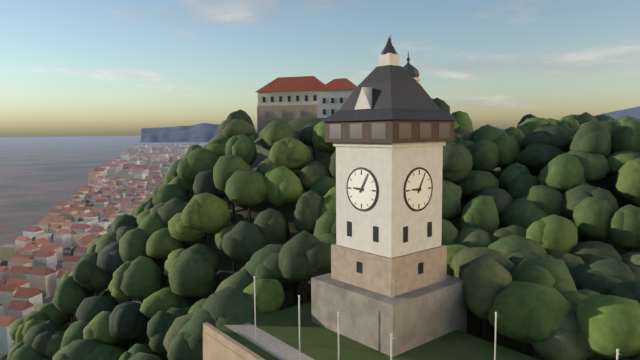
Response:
h=9 m=5
